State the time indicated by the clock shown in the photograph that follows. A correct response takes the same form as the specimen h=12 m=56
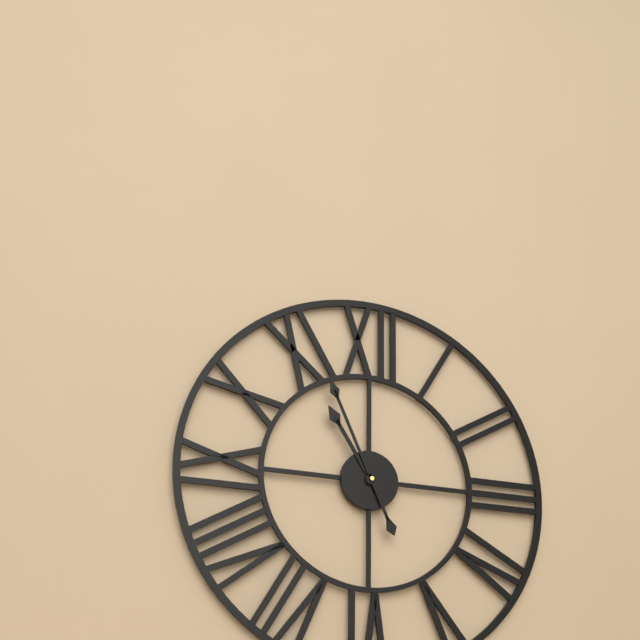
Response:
h=10 m=56
